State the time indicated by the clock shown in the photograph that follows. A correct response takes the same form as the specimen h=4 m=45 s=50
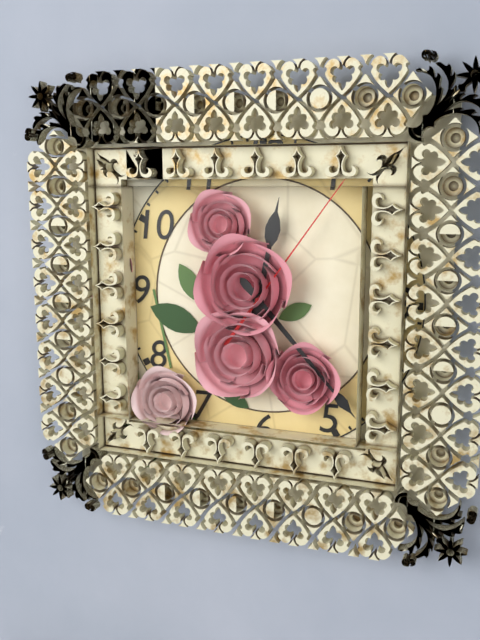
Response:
h=12 m=23 s=6
